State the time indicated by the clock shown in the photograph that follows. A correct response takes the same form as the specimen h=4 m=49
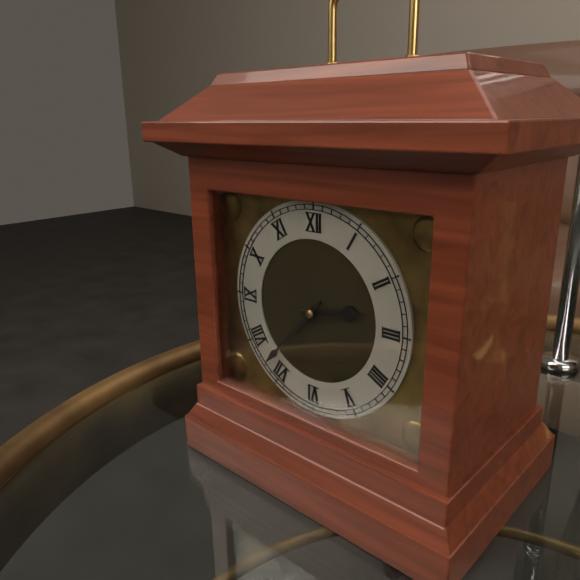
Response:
h=2 m=37
